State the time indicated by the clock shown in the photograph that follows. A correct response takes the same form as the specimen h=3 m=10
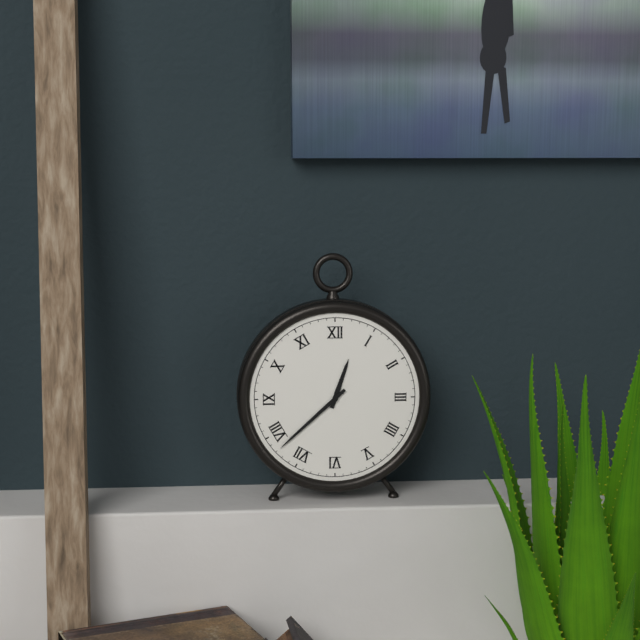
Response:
h=12 m=38
